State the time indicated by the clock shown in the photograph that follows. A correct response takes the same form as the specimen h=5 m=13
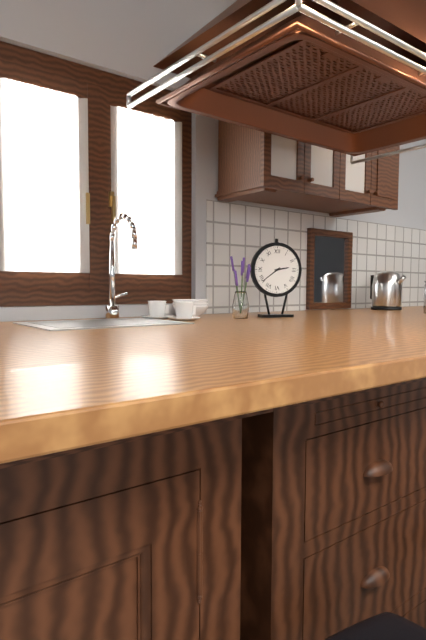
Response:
h=2 m=39
